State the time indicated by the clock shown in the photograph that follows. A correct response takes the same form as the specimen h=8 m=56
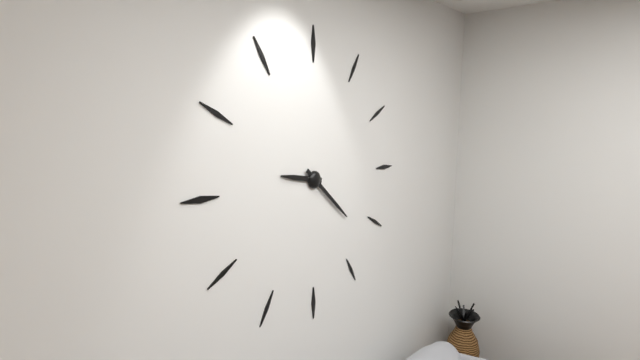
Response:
h=9 m=22
